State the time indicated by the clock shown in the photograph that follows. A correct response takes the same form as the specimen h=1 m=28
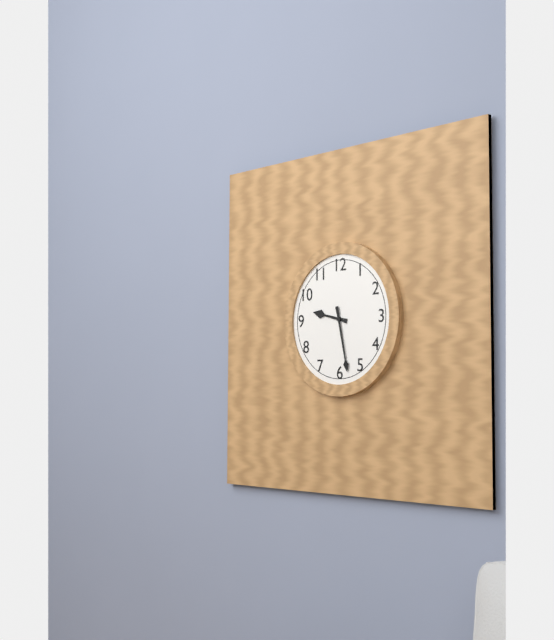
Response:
h=9 m=28
